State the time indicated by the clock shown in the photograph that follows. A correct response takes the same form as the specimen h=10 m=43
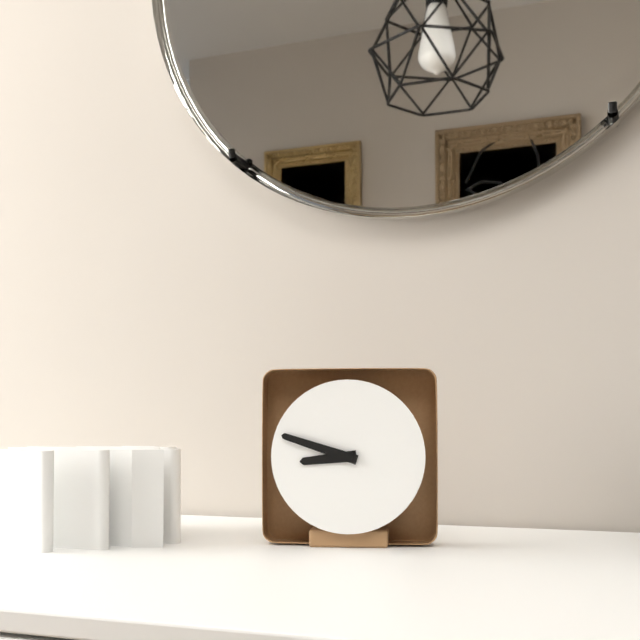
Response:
h=8 m=48
